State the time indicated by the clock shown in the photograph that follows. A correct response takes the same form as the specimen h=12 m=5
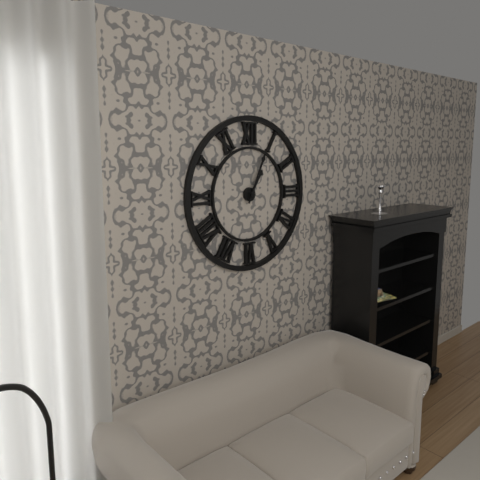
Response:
h=1 m=4
